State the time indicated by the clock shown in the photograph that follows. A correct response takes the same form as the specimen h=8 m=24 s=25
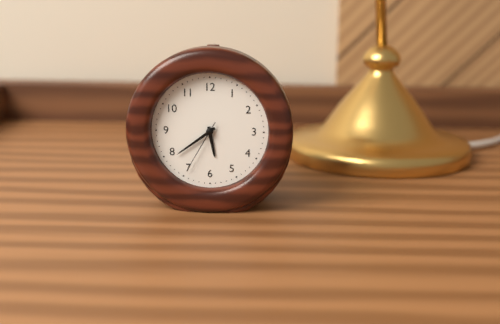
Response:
h=5 m=39 s=35
